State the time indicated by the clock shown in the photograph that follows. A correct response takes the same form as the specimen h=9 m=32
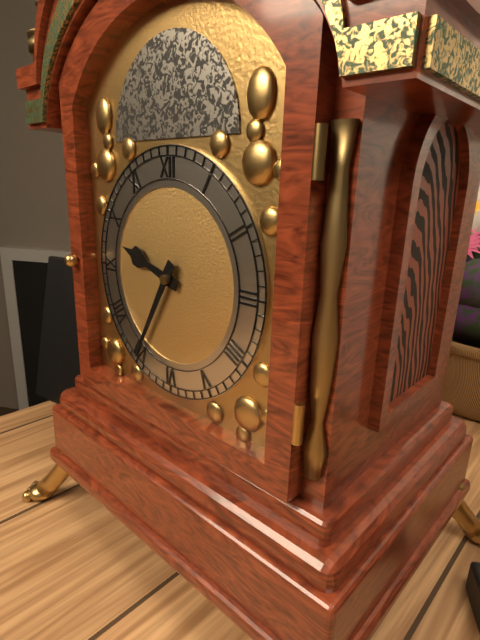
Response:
h=9 m=35
